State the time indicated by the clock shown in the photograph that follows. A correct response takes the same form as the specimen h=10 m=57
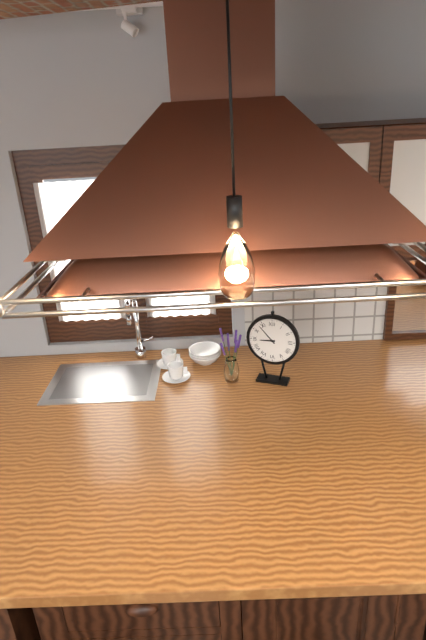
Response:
h=8 m=53
